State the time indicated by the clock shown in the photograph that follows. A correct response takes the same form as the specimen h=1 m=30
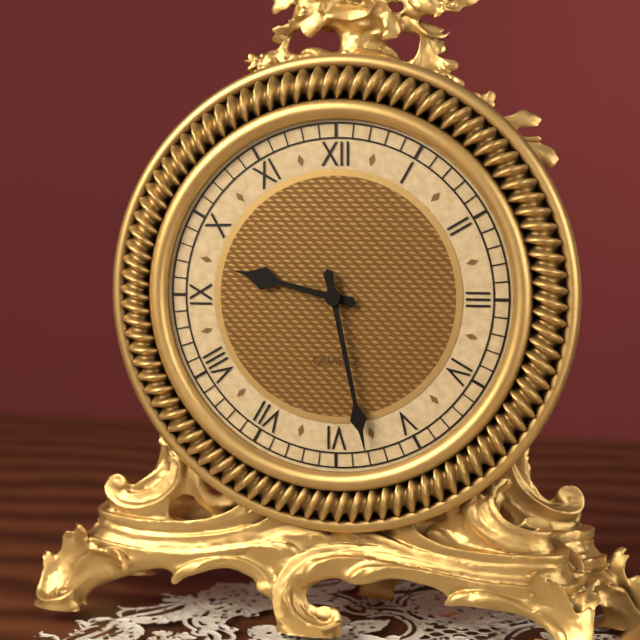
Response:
h=9 m=28
